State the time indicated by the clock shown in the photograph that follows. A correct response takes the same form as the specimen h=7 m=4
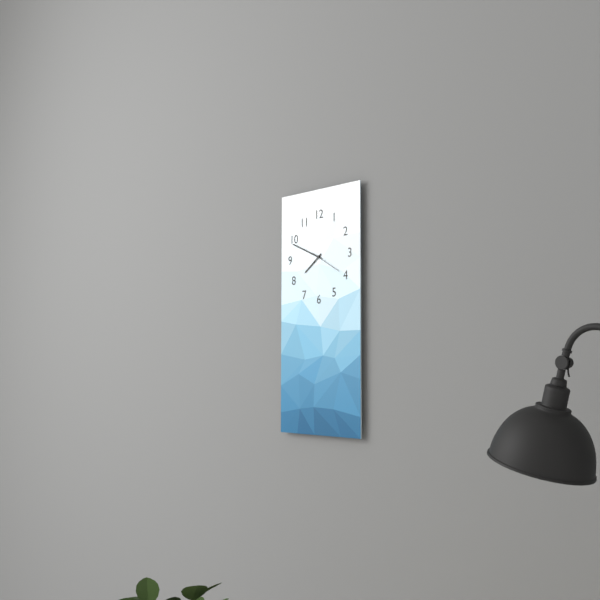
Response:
h=7 m=49
